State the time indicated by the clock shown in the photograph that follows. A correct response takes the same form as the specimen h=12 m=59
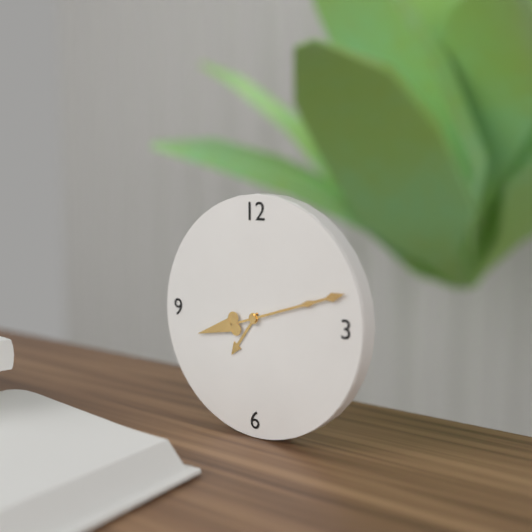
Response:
h=7 m=12
